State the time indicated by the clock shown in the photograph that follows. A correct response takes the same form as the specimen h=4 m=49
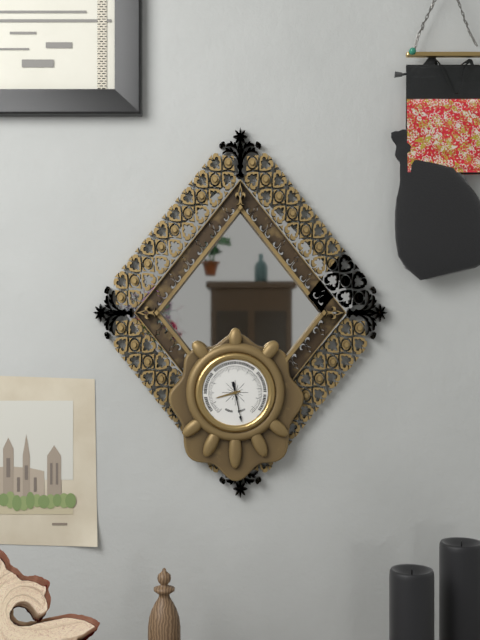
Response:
h=8 m=28
